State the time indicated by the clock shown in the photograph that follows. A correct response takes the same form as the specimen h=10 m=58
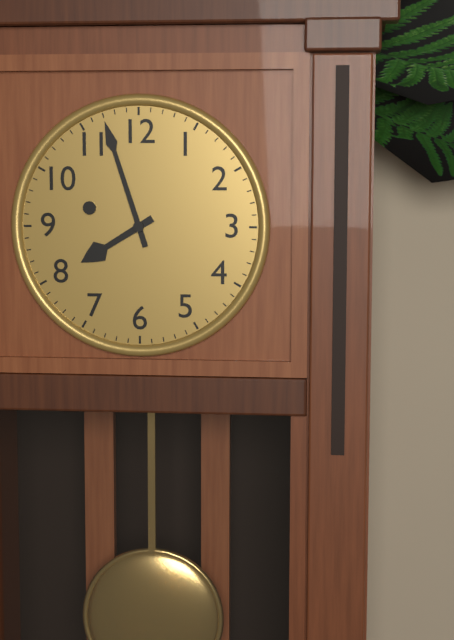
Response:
h=7 m=57
